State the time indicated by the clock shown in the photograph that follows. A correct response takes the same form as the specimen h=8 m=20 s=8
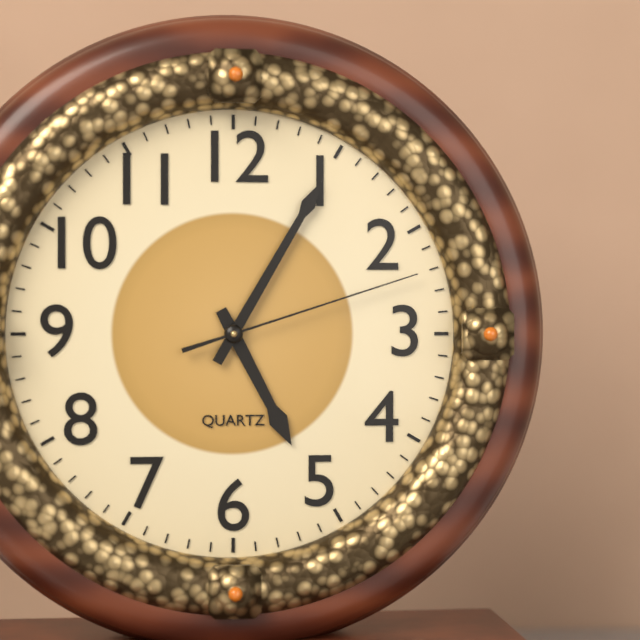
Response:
h=5 m=5 s=12
